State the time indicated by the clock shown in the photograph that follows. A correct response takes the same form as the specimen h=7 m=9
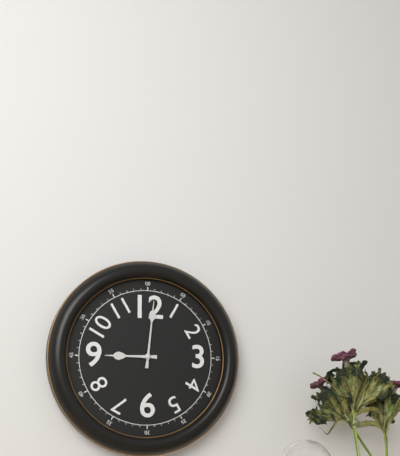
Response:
h=9 m=1
